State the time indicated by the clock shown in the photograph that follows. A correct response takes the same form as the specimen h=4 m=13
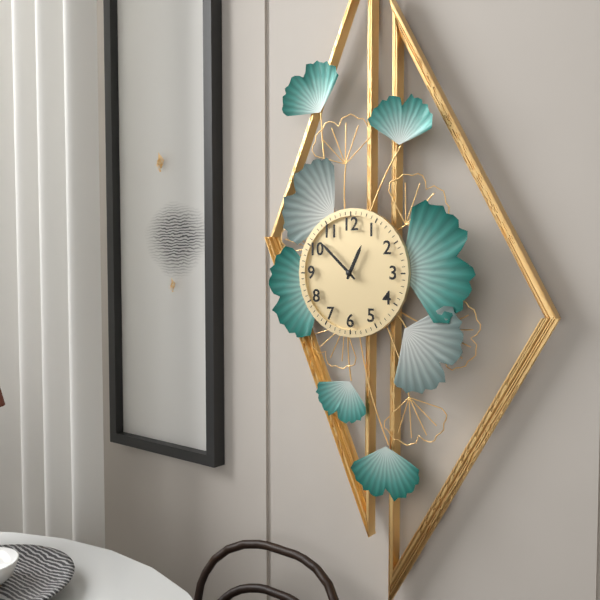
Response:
h=12 m=52
